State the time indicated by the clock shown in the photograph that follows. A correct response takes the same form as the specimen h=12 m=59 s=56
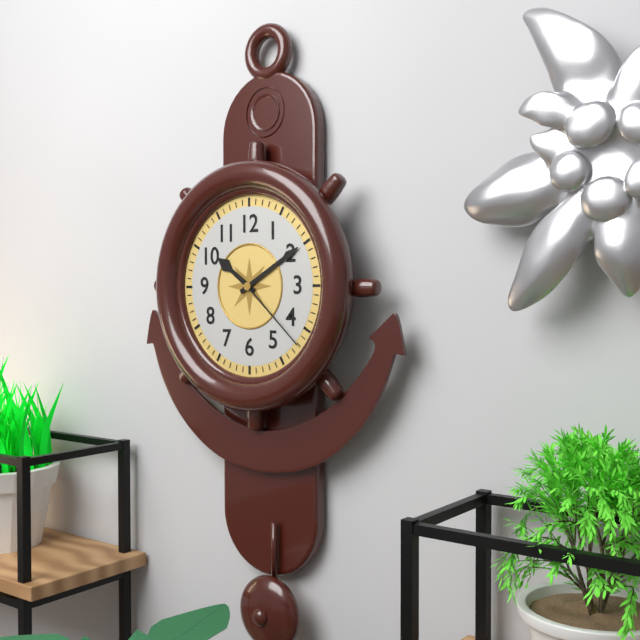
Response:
h=10 m=10 s=22
